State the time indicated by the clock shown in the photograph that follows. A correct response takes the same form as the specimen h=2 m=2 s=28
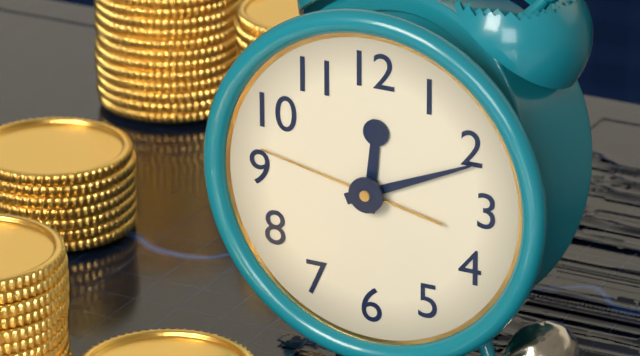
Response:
h=12 m=11 s=47
